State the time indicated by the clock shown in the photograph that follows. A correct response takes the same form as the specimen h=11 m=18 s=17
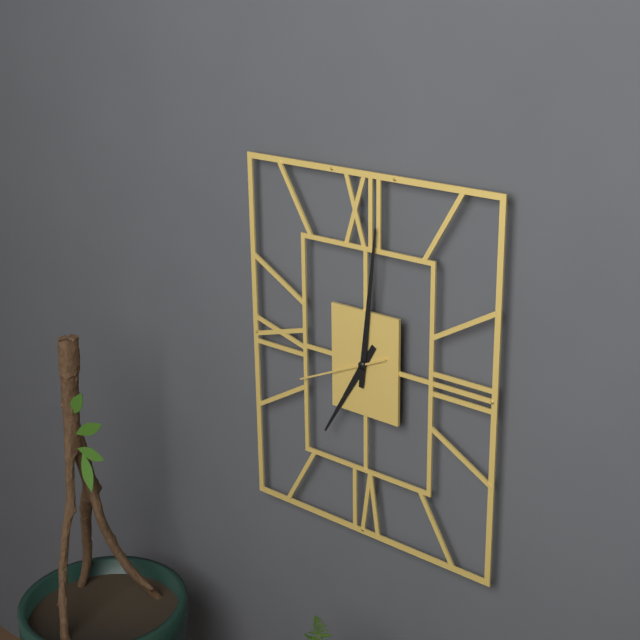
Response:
h=7 m=1 s=41
